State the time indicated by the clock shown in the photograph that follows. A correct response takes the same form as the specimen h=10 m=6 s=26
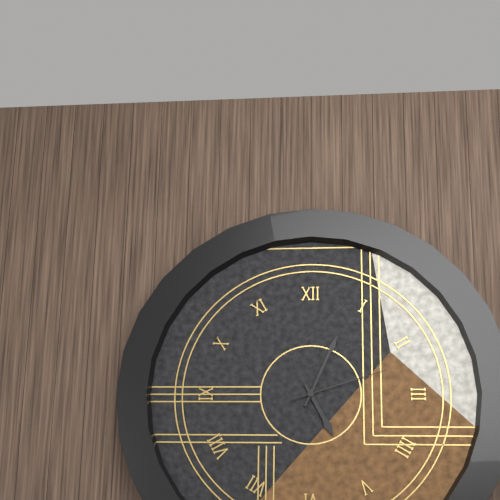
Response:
h=5 m=4 s=12
